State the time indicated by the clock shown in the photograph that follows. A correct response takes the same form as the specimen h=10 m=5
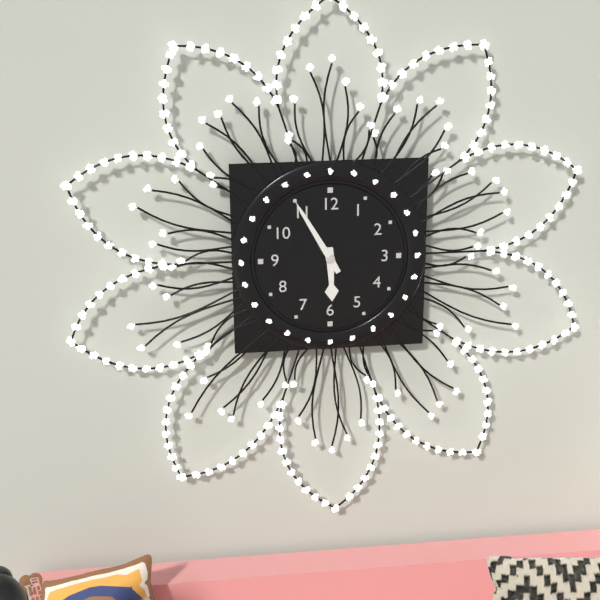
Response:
h=5 m=55
